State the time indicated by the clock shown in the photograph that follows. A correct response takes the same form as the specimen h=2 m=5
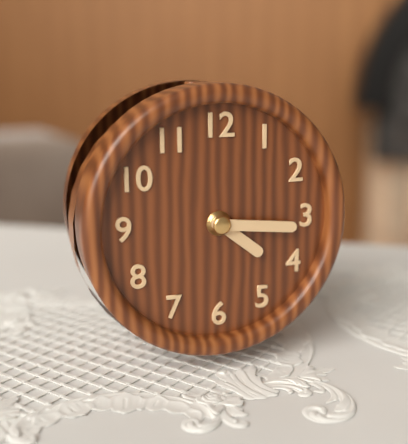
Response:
h=4 m=16
